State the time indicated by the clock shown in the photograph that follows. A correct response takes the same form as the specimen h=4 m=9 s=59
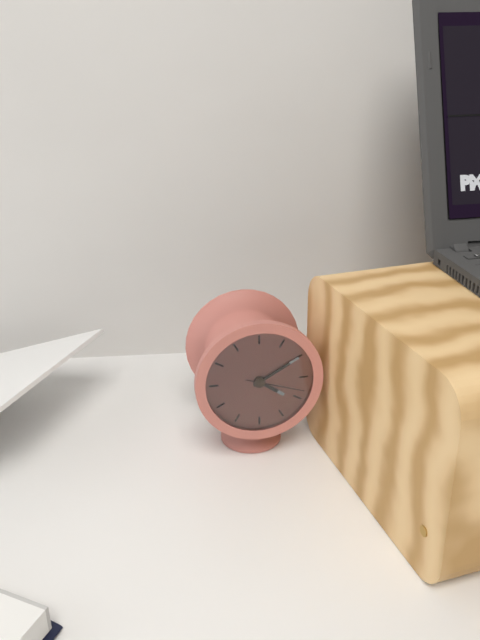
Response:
h=4 m=10 s=18
